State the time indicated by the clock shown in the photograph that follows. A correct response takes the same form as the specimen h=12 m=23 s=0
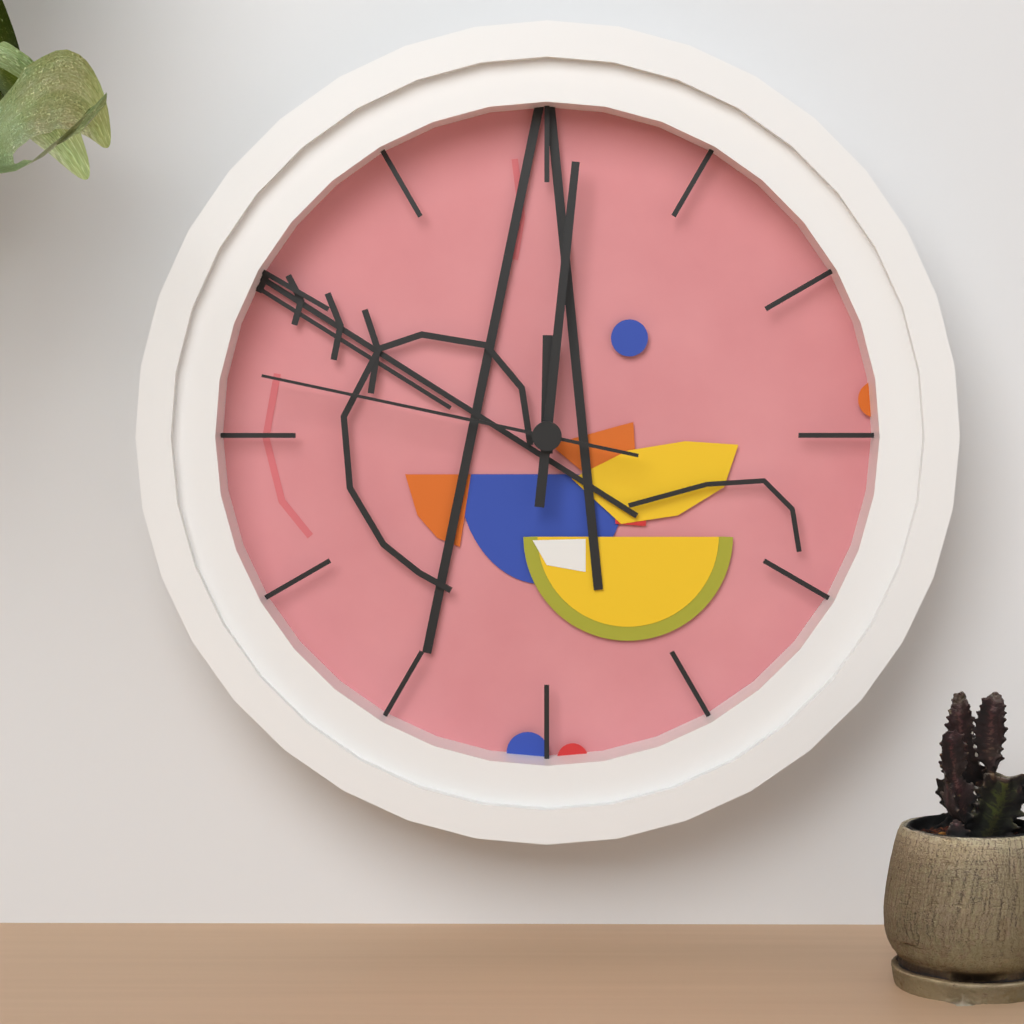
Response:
h=12 m=1 s=47
